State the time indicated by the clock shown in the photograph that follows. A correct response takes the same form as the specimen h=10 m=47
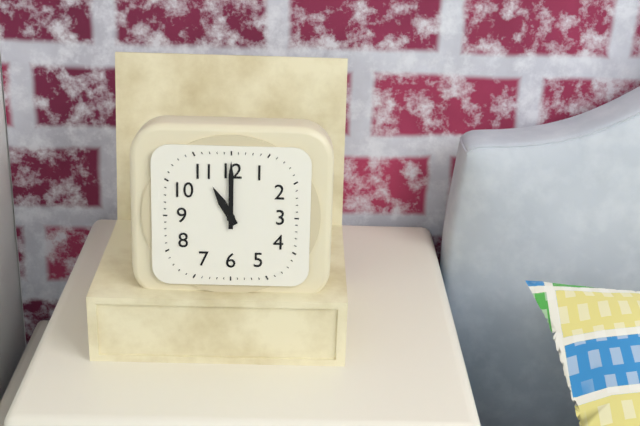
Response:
h=11 m=0
